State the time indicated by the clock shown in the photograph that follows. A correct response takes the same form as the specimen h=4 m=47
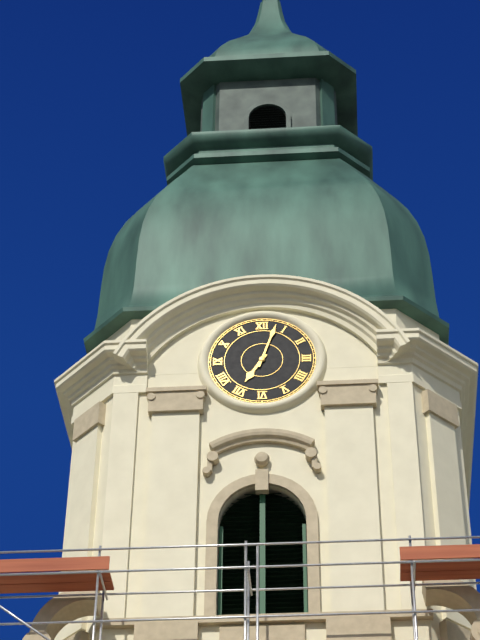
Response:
h=7 m=3
